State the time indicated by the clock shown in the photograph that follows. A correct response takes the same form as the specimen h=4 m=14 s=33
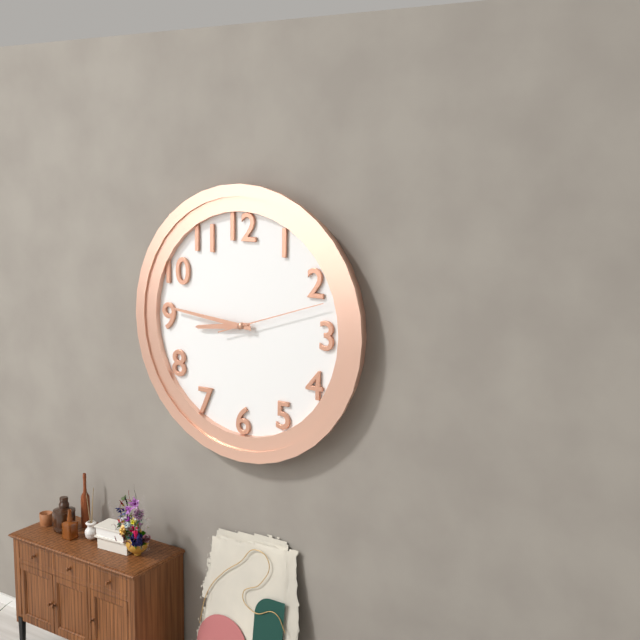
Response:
h=8 m=46 s=12
